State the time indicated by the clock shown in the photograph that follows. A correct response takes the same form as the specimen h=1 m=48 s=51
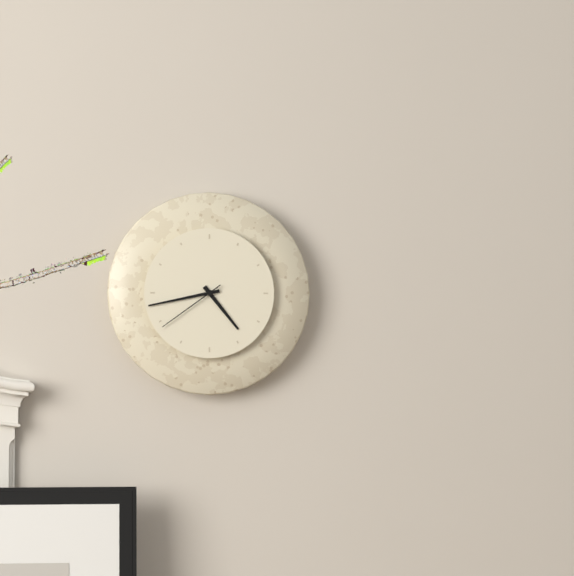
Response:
h=4 m=43 s=39
